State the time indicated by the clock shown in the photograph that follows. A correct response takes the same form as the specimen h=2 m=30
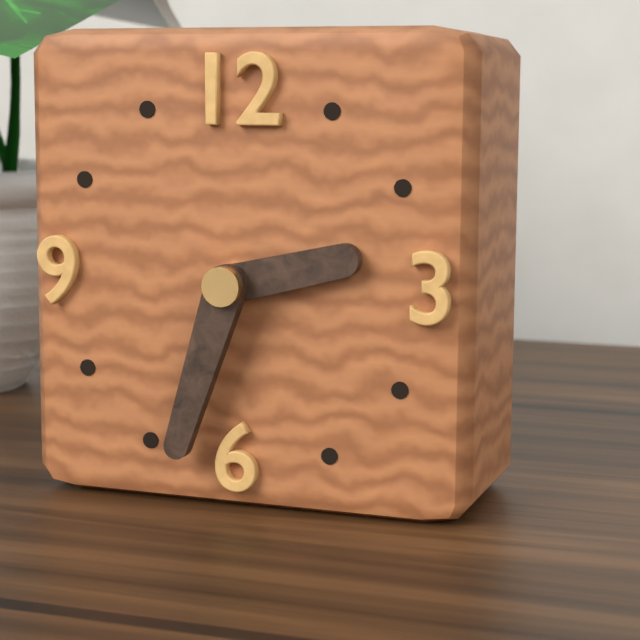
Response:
h=2 m=33
